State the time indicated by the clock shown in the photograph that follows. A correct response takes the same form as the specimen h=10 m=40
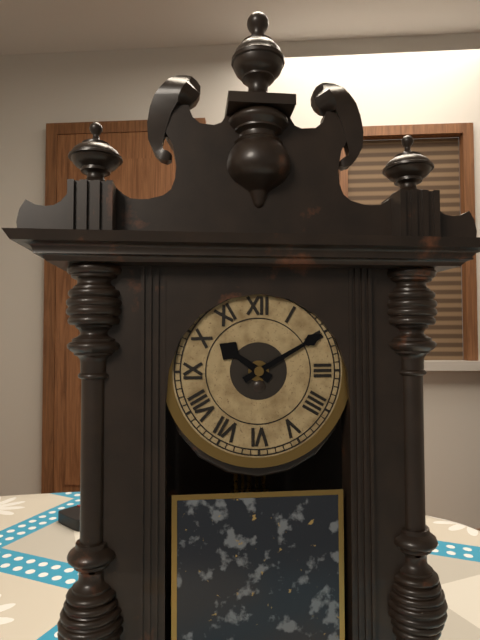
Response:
h=10 m=10
